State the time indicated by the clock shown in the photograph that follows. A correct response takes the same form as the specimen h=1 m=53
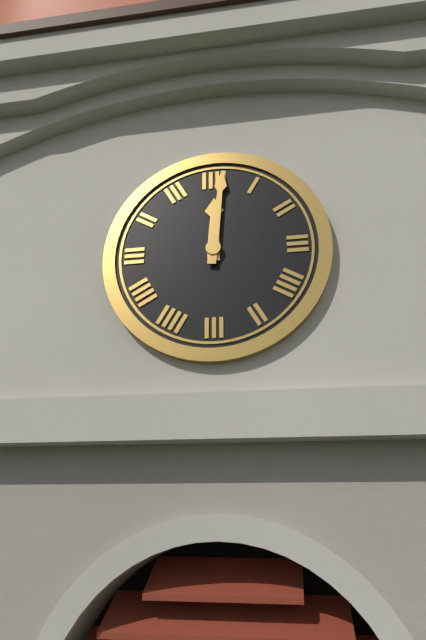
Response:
h=12 m=1
